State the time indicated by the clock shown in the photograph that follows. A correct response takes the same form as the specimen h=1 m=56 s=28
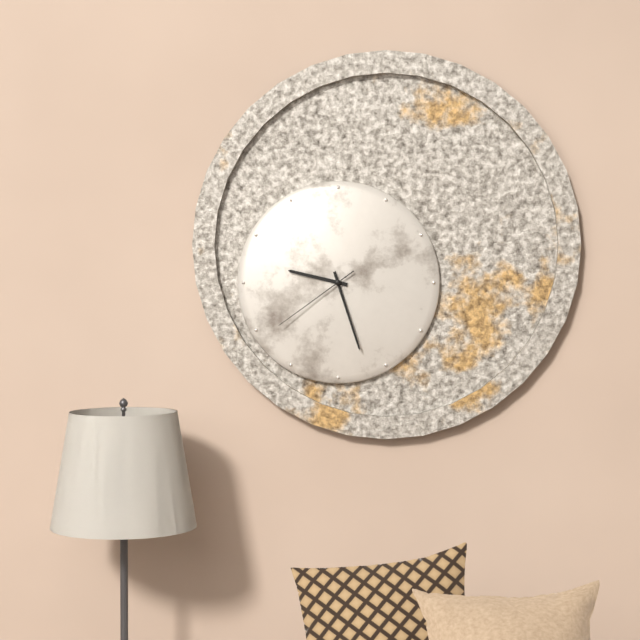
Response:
h=9 m=27 s=39
